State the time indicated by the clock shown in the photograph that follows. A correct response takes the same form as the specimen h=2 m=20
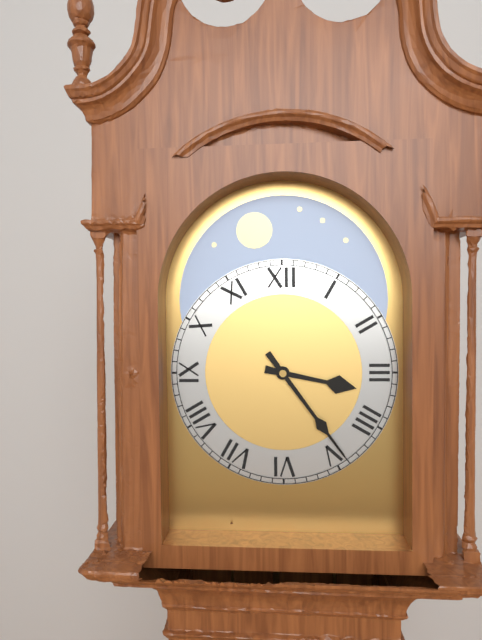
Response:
h=3 m=24
